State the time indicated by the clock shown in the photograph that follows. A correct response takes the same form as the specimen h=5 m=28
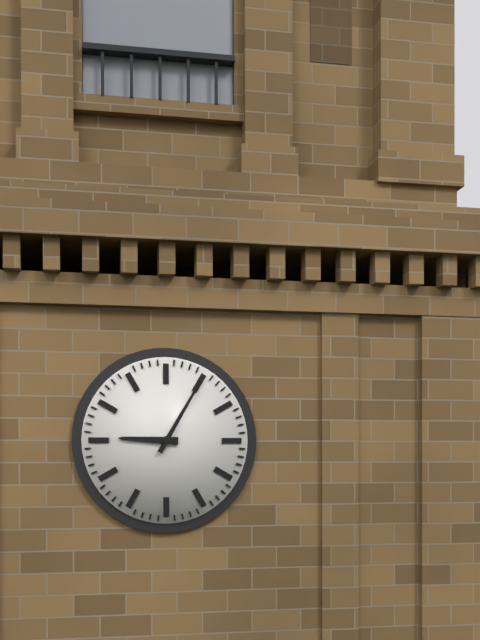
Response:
h=9 m=5
